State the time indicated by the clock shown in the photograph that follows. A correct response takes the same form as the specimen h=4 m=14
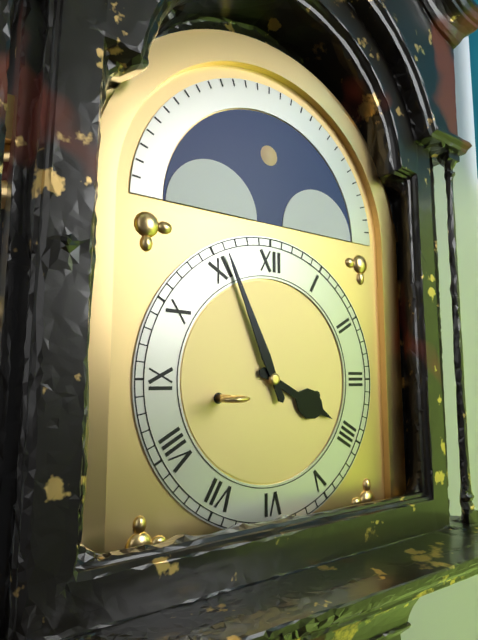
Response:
h=3 m=56
